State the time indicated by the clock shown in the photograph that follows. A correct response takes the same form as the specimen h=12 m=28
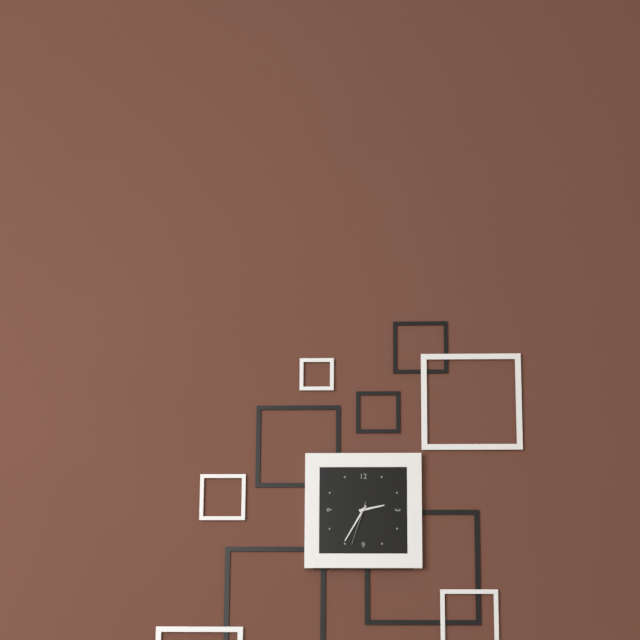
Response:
h=2 m=35
